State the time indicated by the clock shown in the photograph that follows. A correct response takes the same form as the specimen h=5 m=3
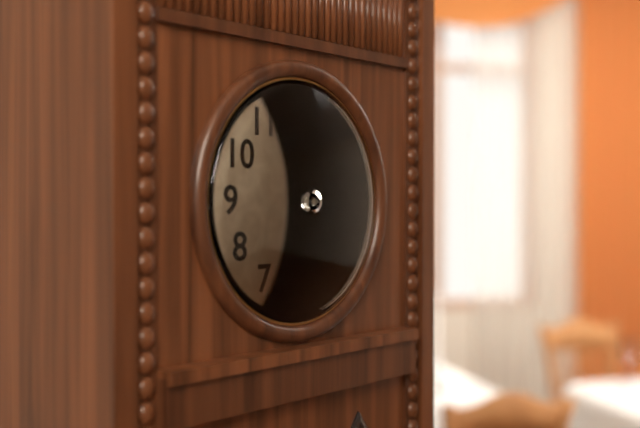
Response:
h=1 m=33
